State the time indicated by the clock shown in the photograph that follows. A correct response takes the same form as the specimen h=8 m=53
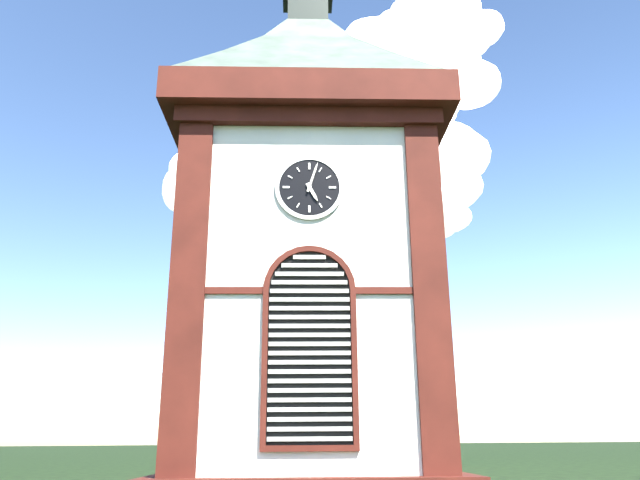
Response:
h=5 m=3
